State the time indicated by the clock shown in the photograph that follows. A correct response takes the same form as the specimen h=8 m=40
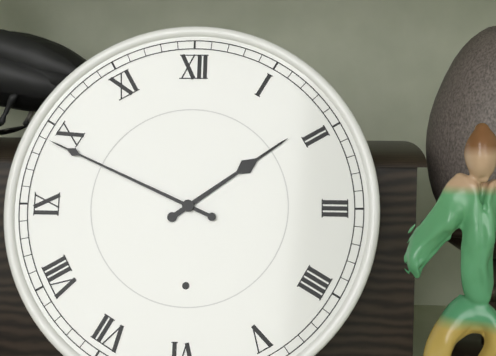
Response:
h=1 m=49
